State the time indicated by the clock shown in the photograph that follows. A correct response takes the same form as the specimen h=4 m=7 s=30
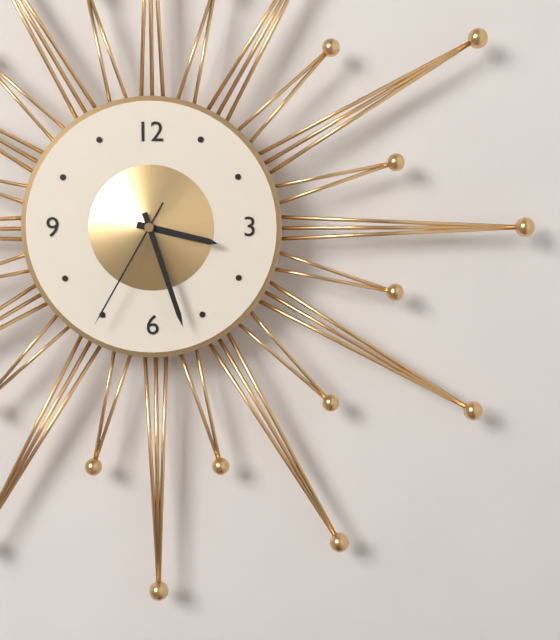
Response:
h=3 m=27 s=35
